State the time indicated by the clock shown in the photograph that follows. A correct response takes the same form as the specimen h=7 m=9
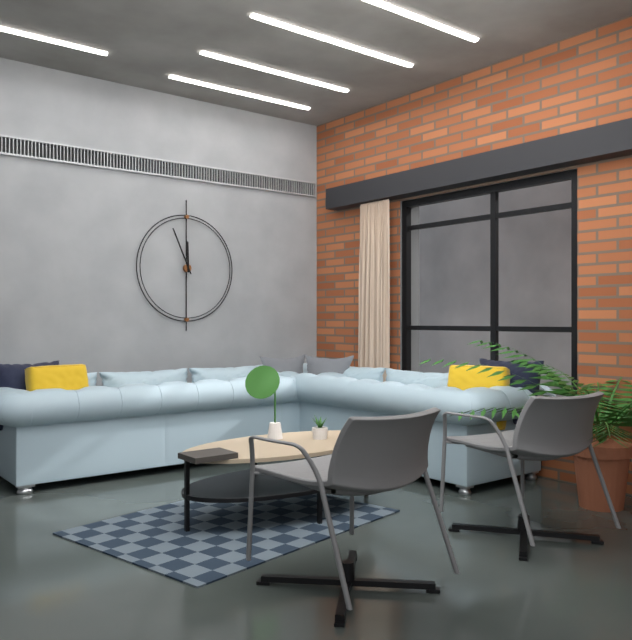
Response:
h=11 m=56
